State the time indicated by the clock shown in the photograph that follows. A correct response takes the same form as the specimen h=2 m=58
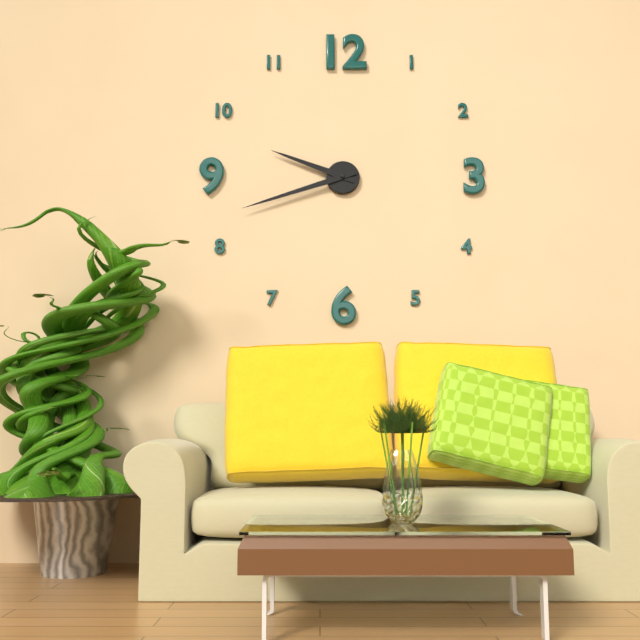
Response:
h=9 m=42
